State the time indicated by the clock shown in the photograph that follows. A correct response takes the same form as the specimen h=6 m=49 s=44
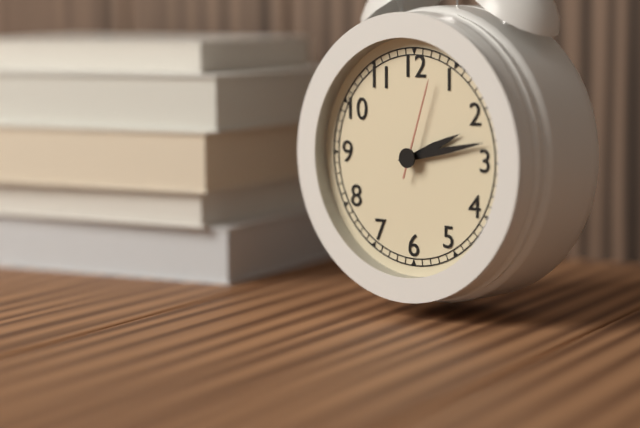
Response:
h=2 m=13 s=3
